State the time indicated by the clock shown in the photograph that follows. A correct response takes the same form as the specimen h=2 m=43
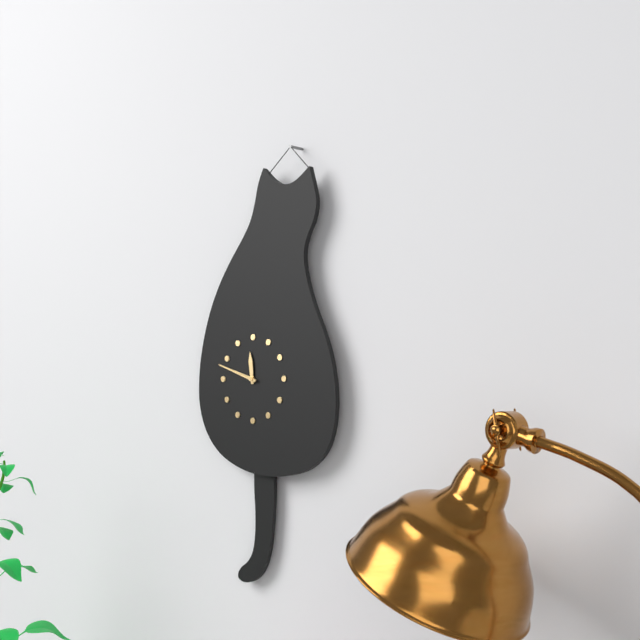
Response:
h=11 m=48
